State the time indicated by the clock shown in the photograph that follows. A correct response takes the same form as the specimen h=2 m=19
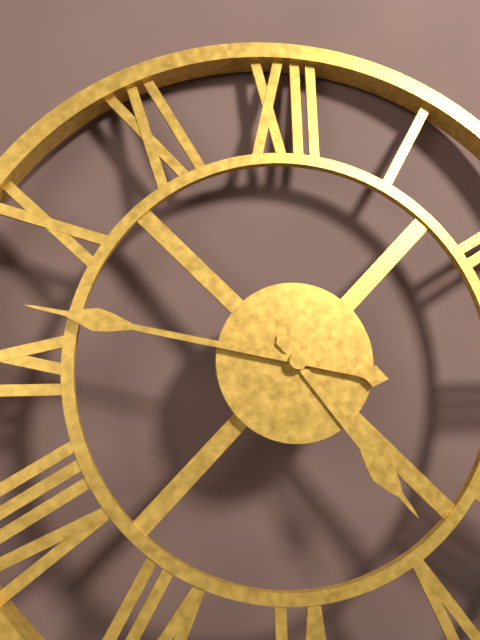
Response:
h=4 m=47
